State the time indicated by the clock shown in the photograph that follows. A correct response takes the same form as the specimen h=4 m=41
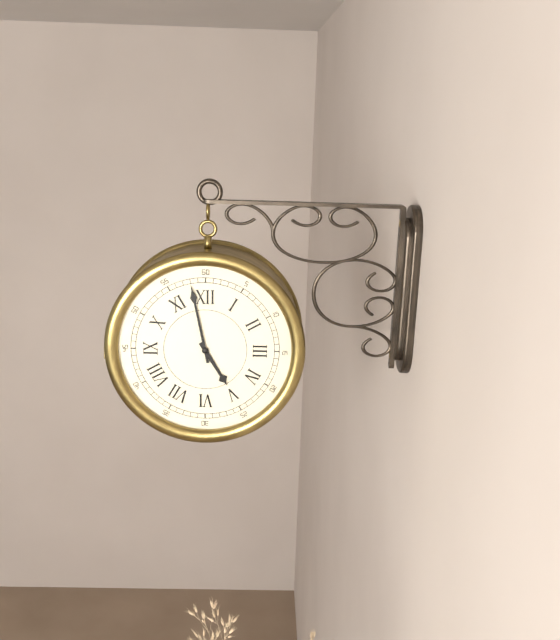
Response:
h=4 m=58
